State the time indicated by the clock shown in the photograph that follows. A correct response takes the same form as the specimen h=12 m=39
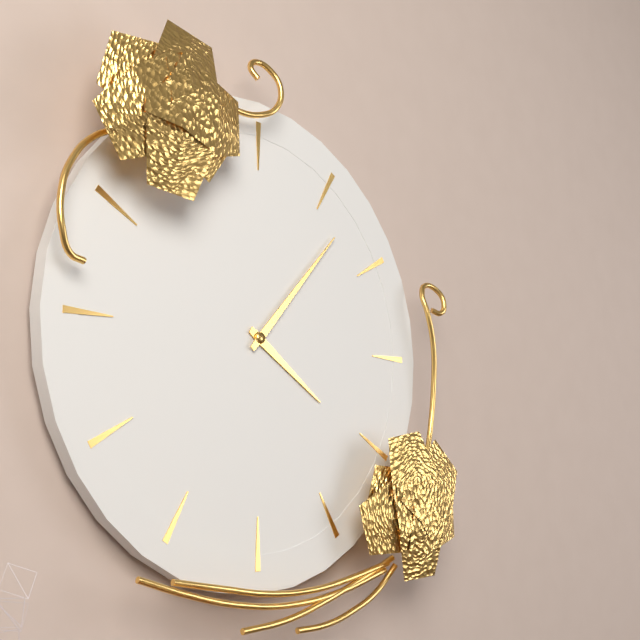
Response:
h=4 m=7
